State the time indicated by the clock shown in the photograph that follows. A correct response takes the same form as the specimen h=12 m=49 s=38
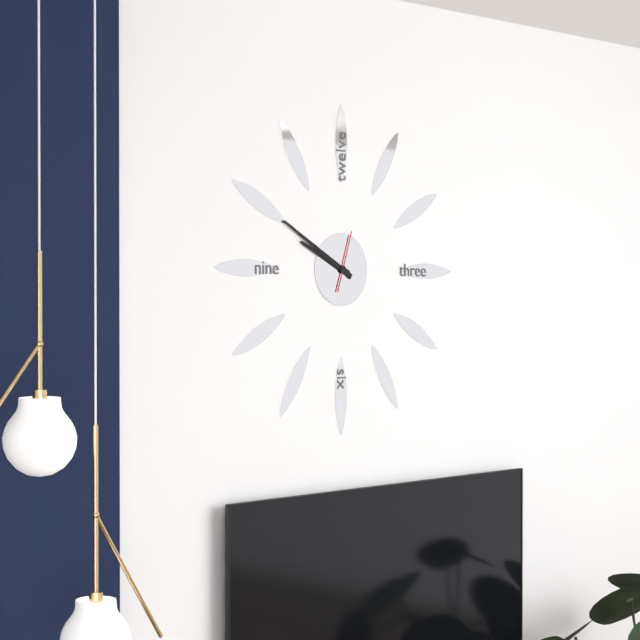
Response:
h=9 m=50 s=3
